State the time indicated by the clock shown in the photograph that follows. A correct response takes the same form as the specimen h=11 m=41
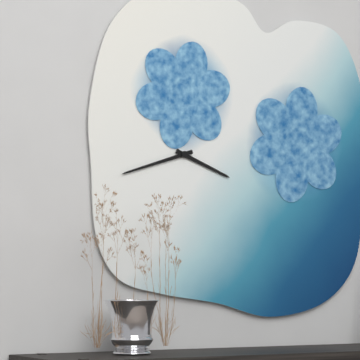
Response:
h=3 m=42
